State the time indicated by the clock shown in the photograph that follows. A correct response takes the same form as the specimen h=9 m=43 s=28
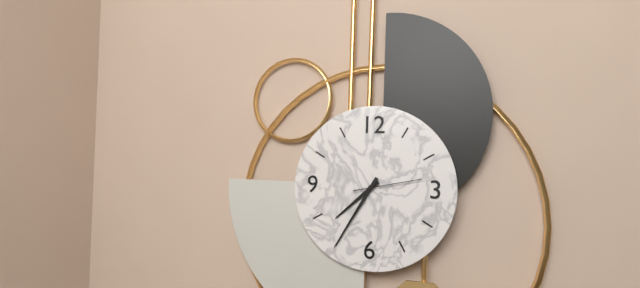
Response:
h=7 m=35 s=13
